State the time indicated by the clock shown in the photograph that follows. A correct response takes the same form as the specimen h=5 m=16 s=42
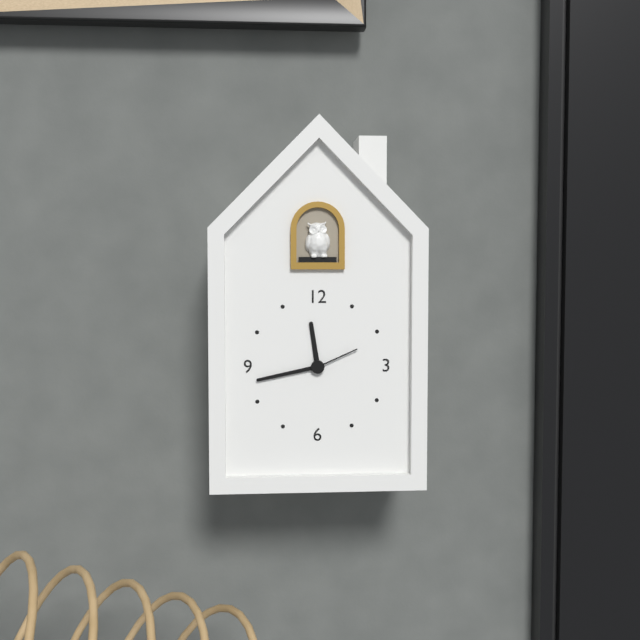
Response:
h=11 m=43 s=11
